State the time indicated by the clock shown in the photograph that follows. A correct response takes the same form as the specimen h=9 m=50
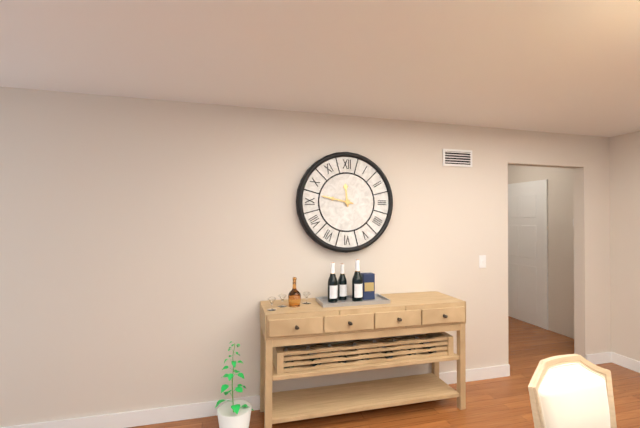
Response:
h=11 m=47
